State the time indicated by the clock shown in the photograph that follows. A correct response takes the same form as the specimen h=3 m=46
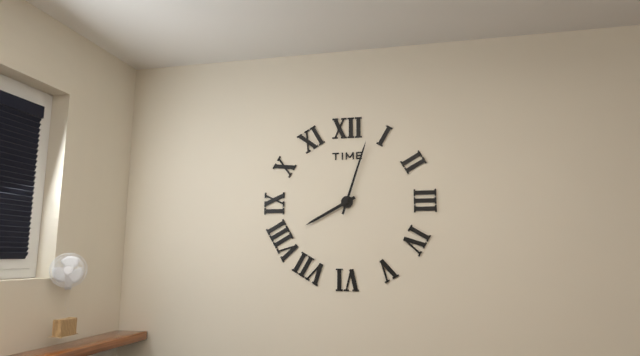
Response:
h=8 m=3
